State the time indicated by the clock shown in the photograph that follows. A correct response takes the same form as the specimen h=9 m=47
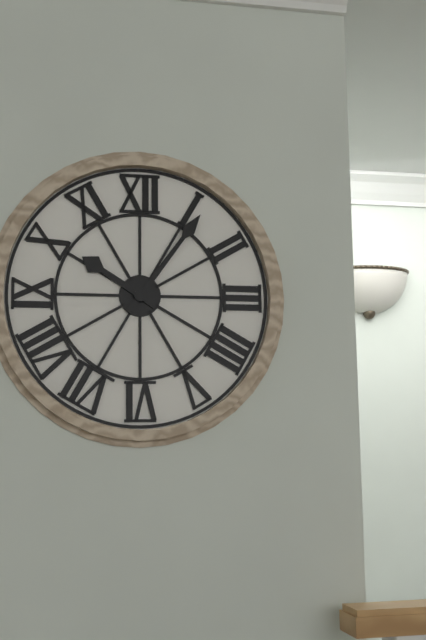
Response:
h=10 m=6
